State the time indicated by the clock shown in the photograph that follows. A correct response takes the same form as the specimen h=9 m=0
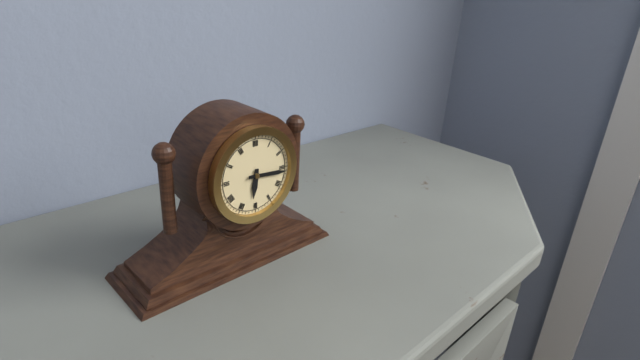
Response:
h=6 m=16
